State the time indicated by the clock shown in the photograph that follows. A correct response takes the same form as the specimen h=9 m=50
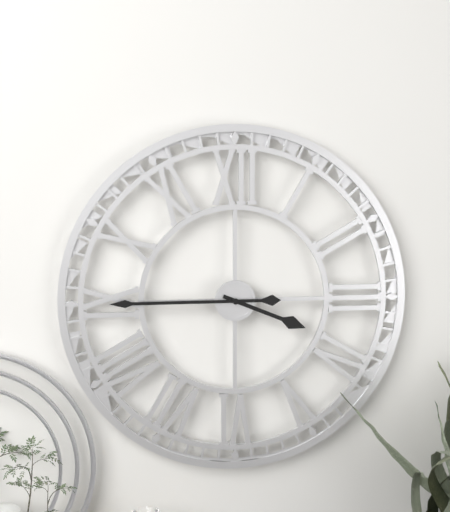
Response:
h=3 m=45
